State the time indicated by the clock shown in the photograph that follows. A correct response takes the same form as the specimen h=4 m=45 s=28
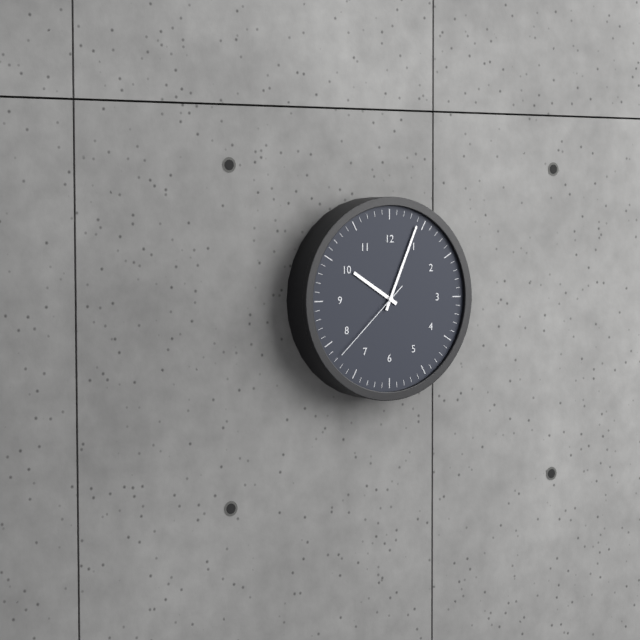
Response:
h=10 m=4 s=38
